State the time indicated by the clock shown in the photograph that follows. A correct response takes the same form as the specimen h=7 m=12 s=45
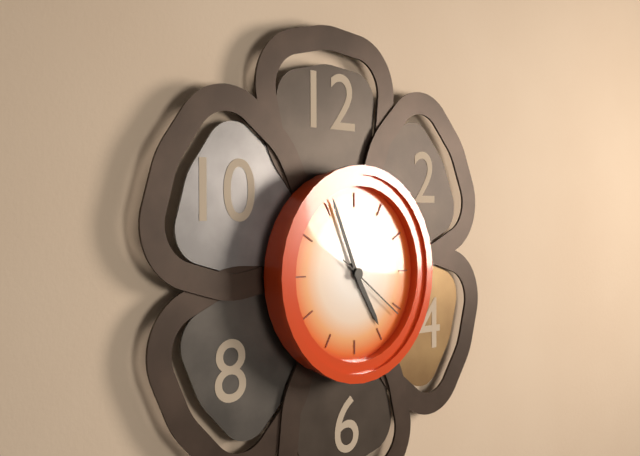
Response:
h=4 m=56 s=21
